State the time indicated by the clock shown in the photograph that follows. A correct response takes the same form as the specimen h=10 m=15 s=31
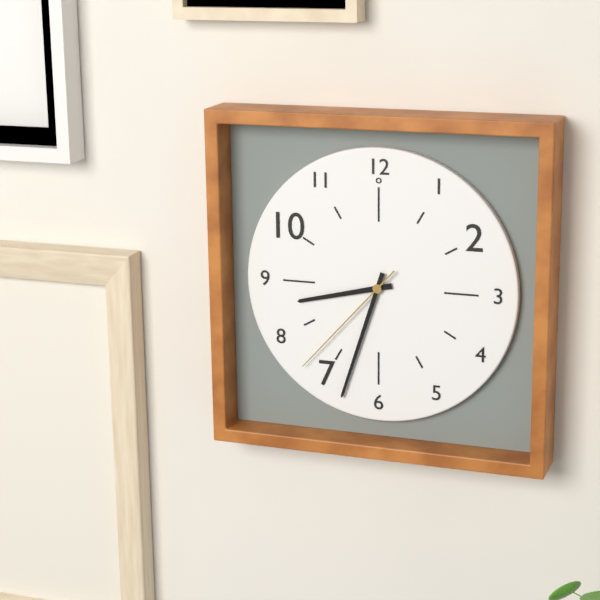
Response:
h=8 m=33 s=37
